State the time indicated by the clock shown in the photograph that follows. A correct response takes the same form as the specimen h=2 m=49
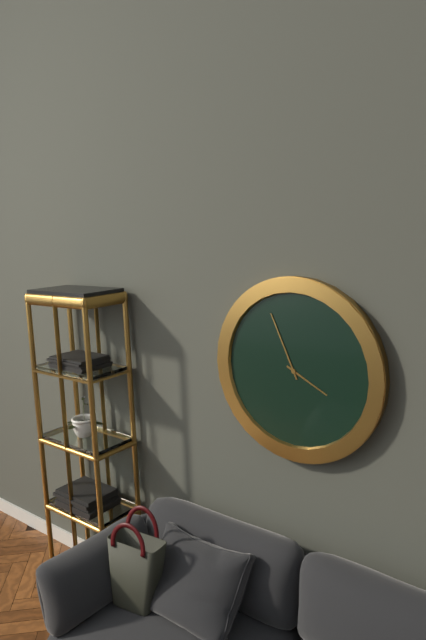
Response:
h=3 m=56
